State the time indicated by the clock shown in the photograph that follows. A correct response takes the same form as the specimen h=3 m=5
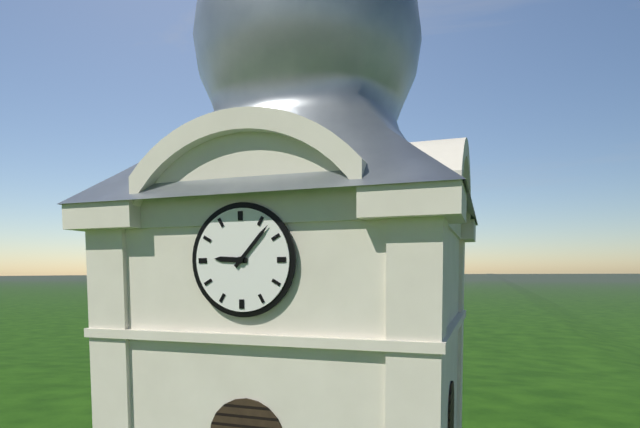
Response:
h=9 m=7
